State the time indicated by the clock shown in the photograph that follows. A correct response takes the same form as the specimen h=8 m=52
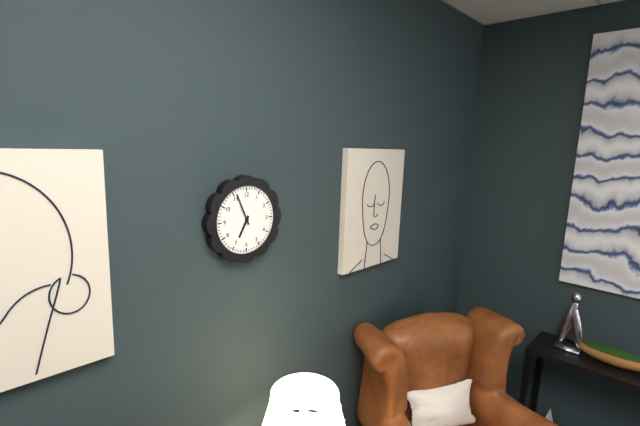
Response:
h=6 m=56
